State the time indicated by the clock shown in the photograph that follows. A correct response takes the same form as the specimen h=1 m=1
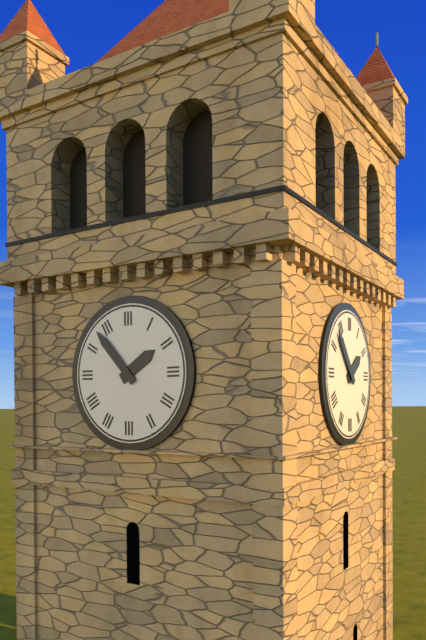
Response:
h=1 m=53
